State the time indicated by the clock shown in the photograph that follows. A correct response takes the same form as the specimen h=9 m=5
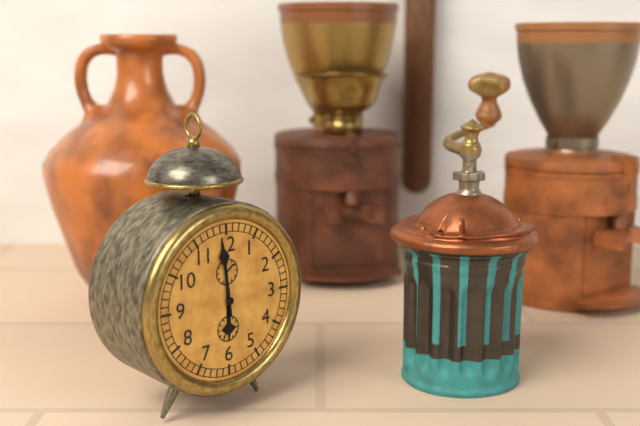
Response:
h=5 m=59
